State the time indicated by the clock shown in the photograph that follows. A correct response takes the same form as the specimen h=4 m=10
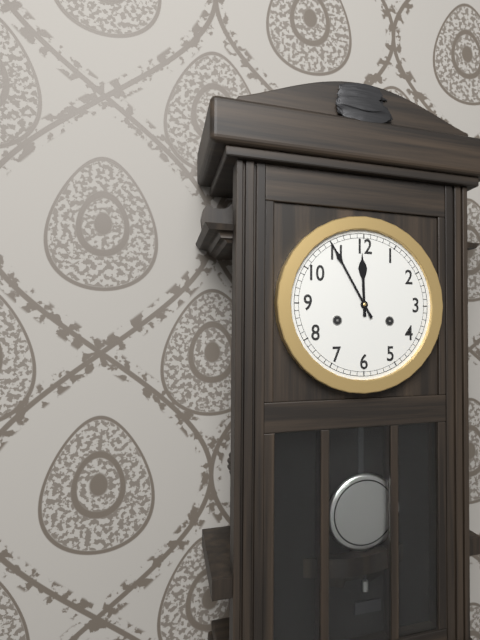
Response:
h=11 m=55
